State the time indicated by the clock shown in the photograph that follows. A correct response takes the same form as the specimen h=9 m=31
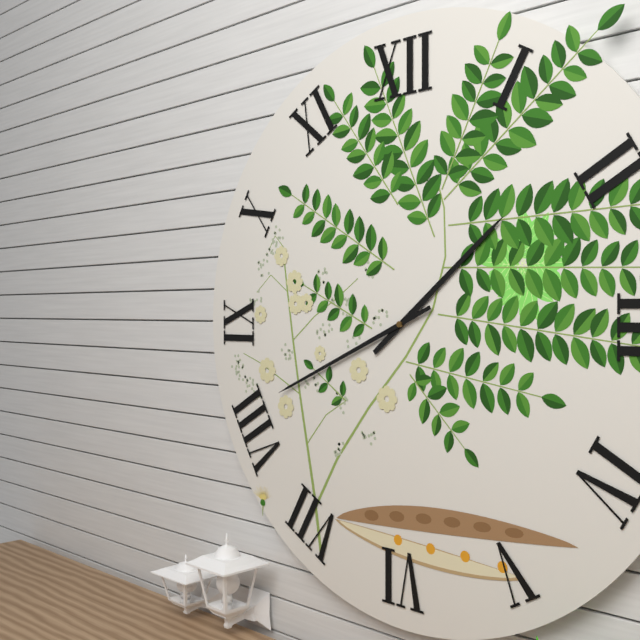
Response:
h=1 m=41
